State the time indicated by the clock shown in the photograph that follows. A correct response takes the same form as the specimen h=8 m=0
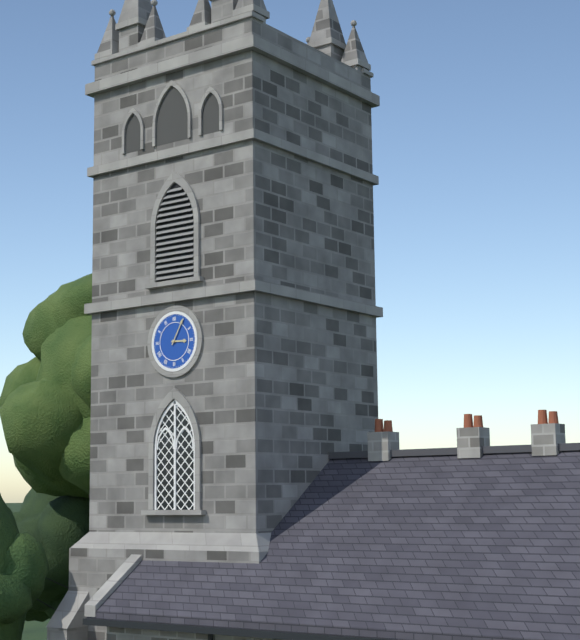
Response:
h=3 m=5
